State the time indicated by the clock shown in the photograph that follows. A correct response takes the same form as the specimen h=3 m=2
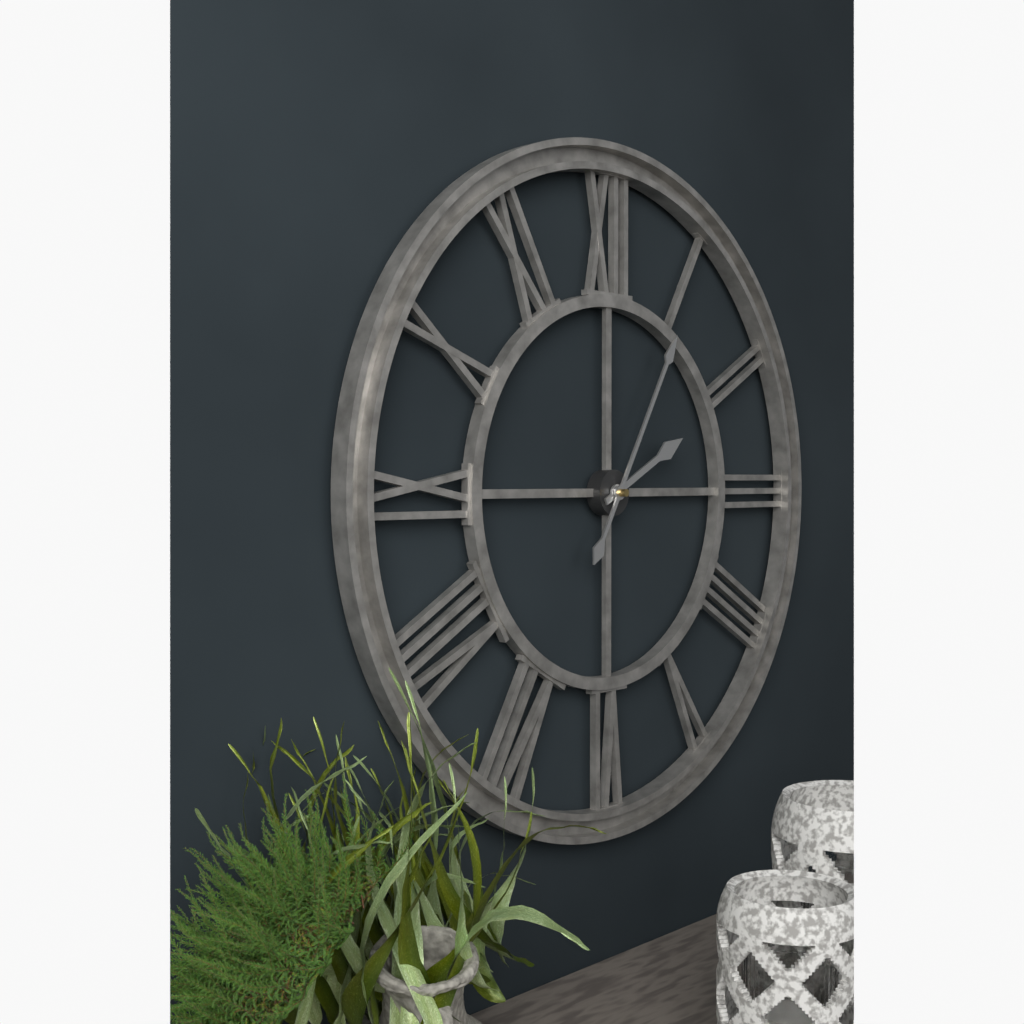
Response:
h=2 m=5
